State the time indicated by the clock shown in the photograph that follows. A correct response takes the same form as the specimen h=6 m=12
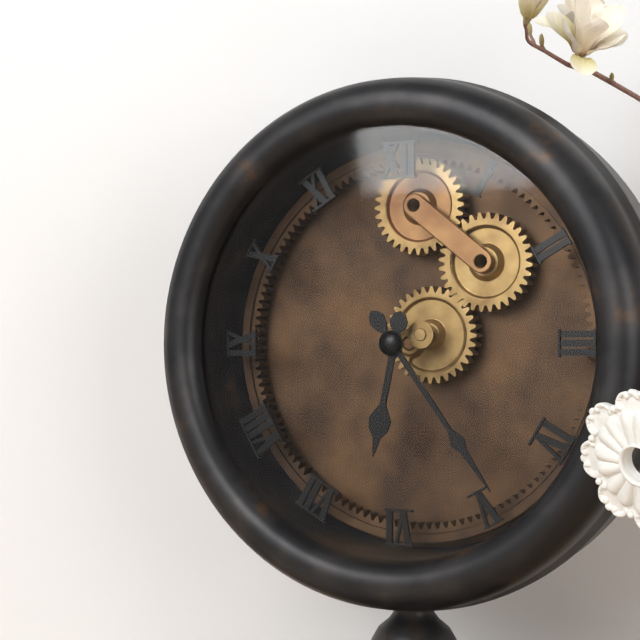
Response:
h=6 m=24
